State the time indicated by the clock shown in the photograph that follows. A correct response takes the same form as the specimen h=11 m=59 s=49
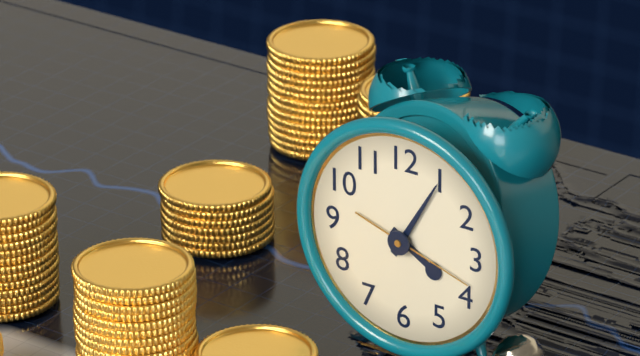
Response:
h=4 m=5 s=18
